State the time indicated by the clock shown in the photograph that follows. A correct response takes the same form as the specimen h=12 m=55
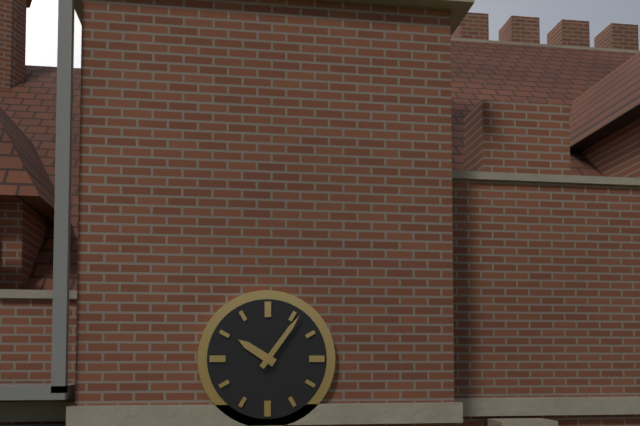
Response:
h=10 m=6
